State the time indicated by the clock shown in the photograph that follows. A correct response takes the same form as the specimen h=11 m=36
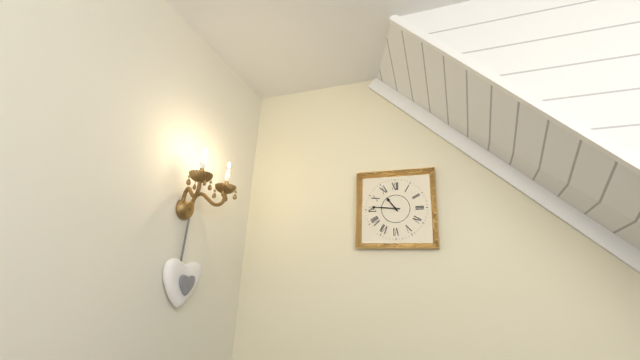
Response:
h=10 m=46
